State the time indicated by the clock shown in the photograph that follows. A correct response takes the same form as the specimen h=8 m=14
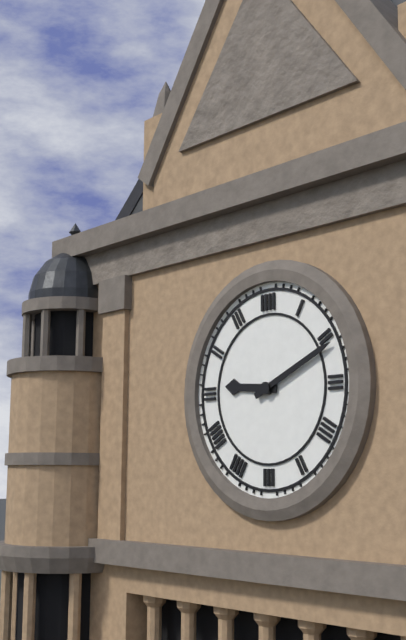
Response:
h=9 m=11
